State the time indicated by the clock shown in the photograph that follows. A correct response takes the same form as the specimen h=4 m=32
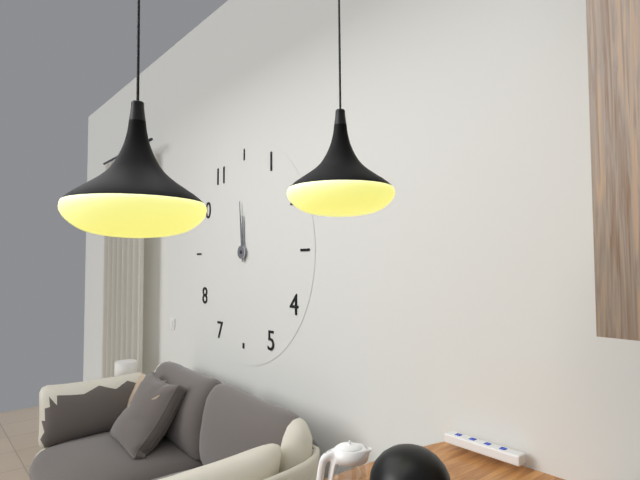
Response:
h=11 m=59
